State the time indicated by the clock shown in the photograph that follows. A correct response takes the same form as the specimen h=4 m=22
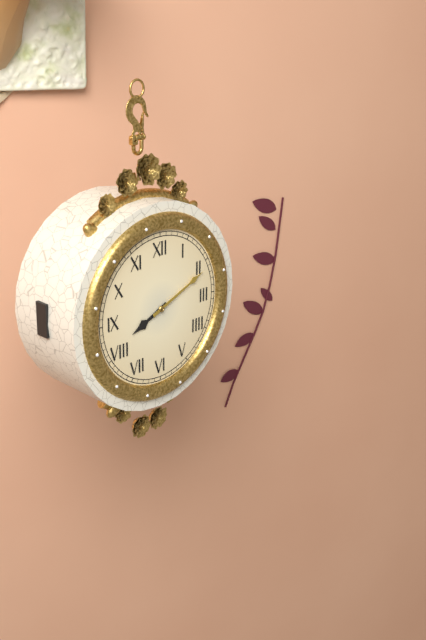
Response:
h=8 m=11
